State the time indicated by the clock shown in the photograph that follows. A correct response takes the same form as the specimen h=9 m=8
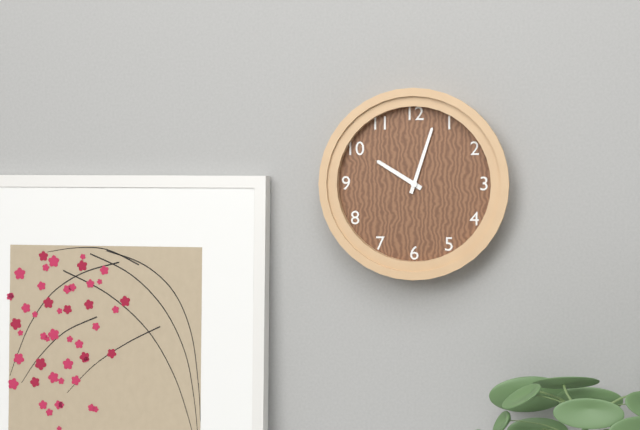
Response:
h=10 m=3
